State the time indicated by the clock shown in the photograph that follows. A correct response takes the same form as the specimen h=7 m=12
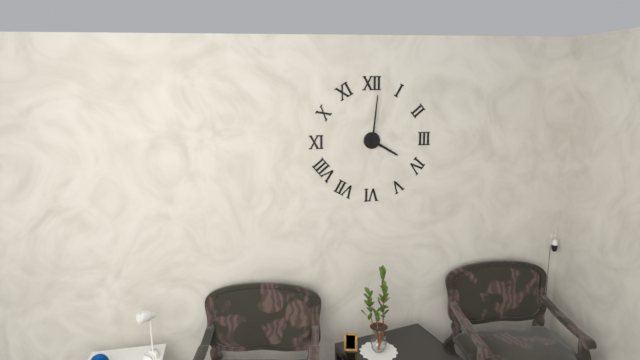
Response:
h=4 m=1
